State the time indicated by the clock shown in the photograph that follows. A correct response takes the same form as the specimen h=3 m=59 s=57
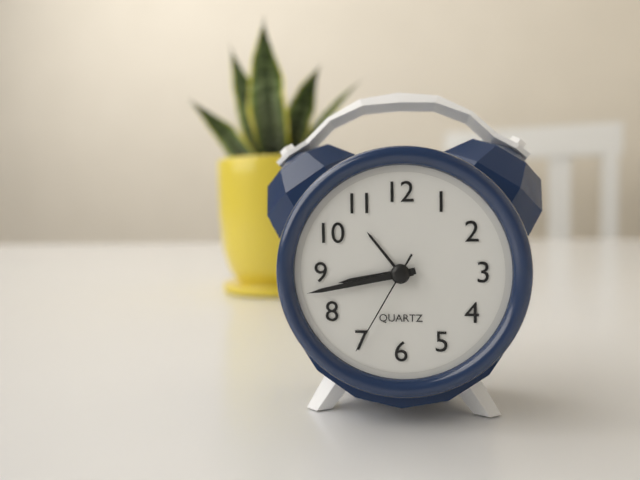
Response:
h=8 m=43 s=35
